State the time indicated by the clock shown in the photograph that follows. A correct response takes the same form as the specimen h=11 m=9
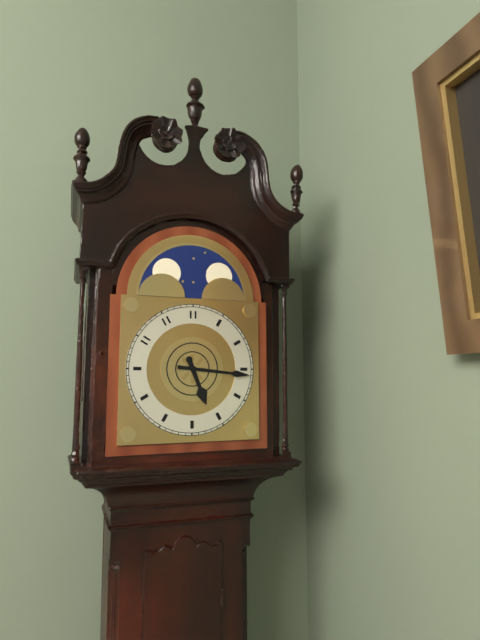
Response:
h=5 m=16
